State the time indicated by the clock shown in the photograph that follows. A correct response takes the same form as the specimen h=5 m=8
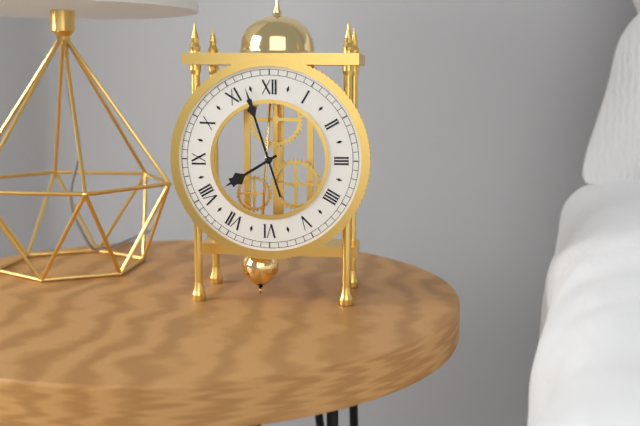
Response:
h=7 m=57
